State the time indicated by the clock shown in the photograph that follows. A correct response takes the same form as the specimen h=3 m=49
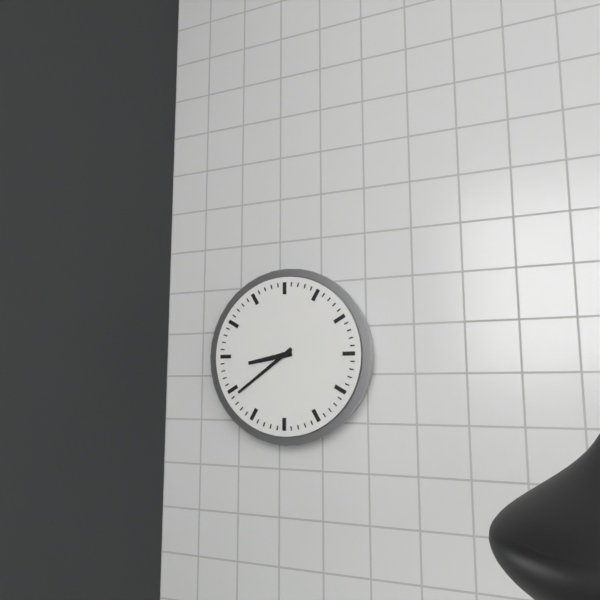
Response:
h=8 m=39
